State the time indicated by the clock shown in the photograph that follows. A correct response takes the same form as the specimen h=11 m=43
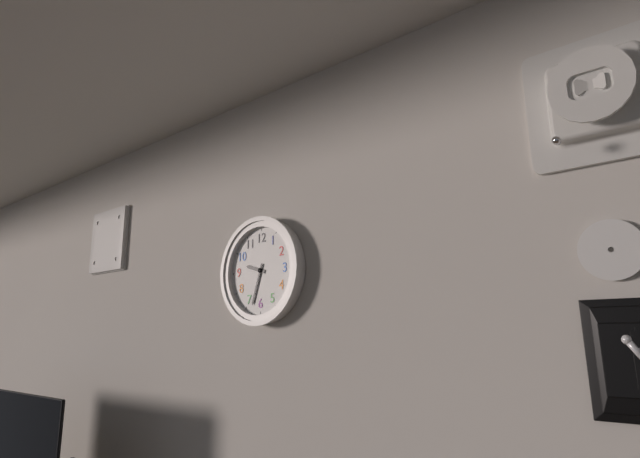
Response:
h=9 m=33
